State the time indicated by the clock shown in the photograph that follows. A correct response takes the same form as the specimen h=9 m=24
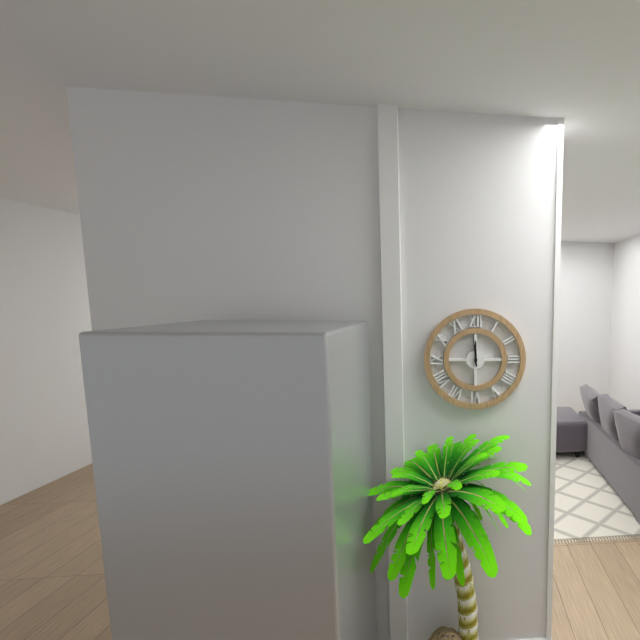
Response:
h=11 m=59
